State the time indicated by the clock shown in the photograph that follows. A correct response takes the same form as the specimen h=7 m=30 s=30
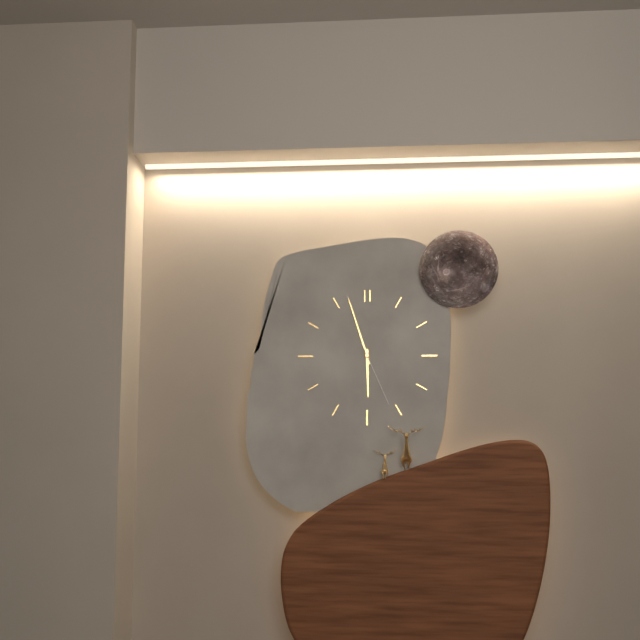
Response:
h=5 m=57 s=26
